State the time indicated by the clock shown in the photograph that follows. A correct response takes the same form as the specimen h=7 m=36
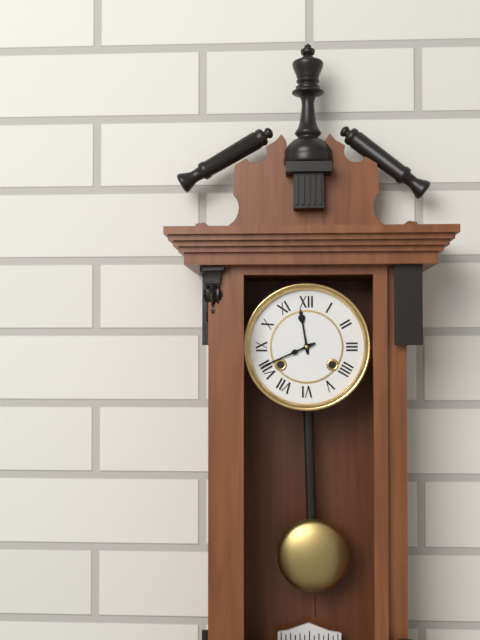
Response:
h=11 m=41
